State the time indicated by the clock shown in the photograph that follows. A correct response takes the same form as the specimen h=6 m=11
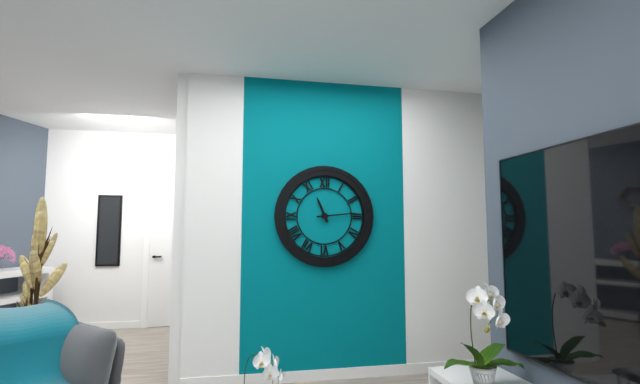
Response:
h=11 m=14
